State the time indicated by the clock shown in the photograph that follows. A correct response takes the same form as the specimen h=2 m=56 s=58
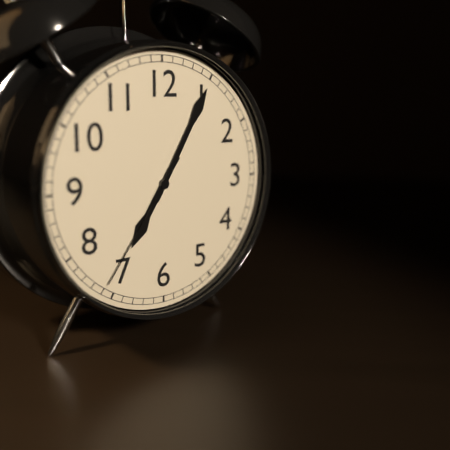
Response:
h=7 m=5 s=36
